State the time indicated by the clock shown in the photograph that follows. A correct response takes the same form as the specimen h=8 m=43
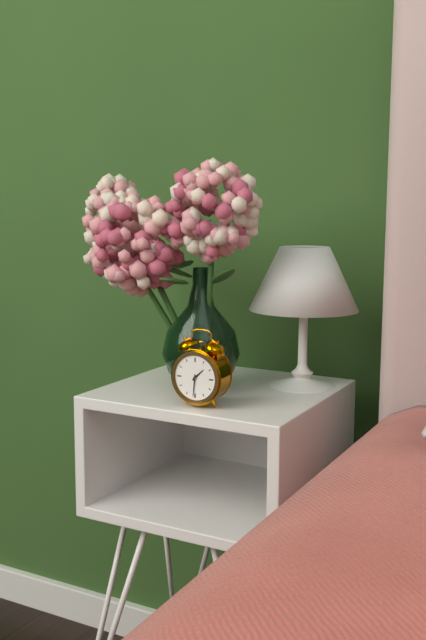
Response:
h=1 m=31
